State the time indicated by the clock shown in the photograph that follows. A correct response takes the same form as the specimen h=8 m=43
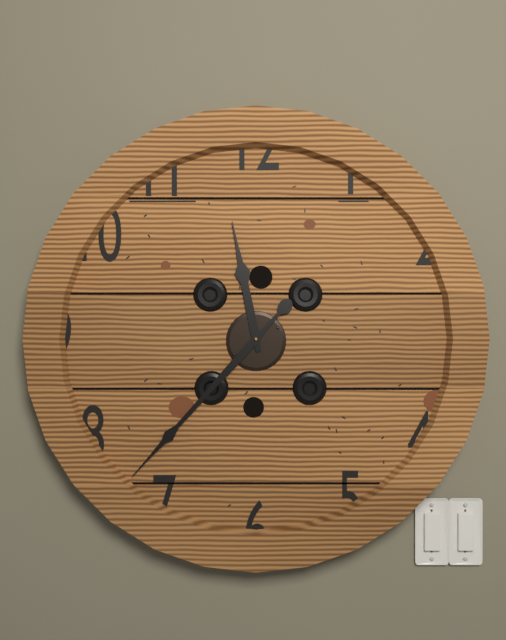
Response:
h=11 m=37
